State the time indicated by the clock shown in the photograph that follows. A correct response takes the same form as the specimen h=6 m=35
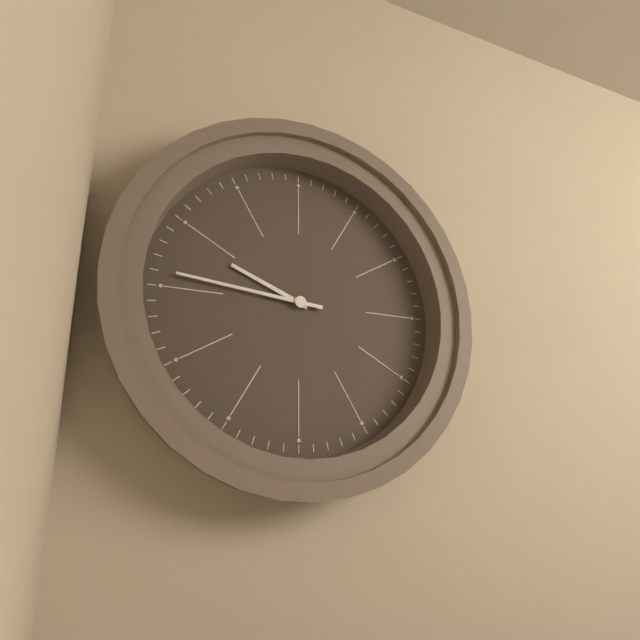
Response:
h=9 m=46
